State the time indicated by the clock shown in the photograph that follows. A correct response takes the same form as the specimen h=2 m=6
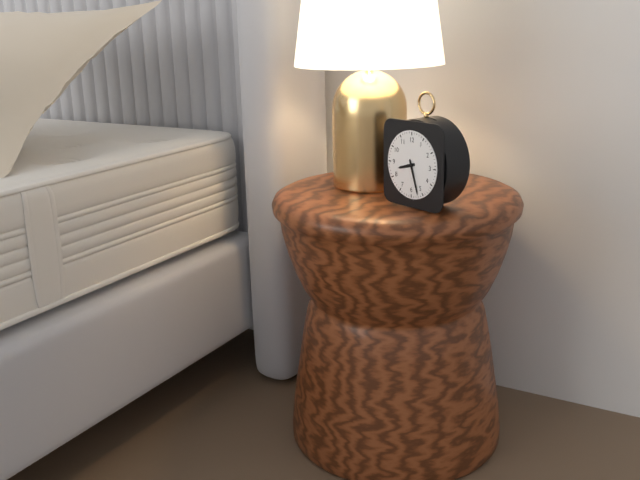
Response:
h=8 m=27
